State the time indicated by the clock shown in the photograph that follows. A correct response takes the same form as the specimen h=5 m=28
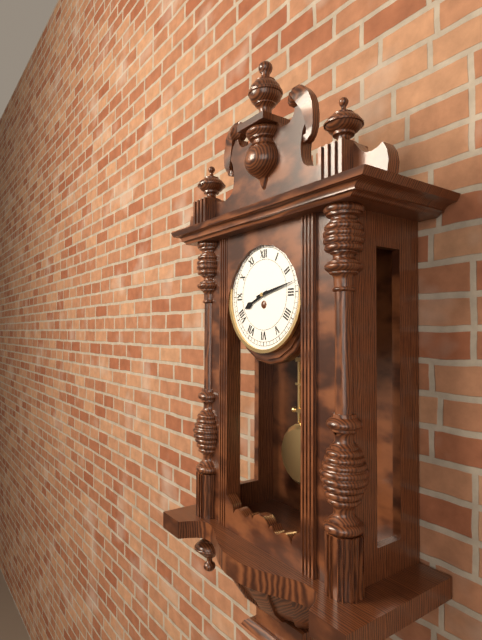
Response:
h=8 m=13
